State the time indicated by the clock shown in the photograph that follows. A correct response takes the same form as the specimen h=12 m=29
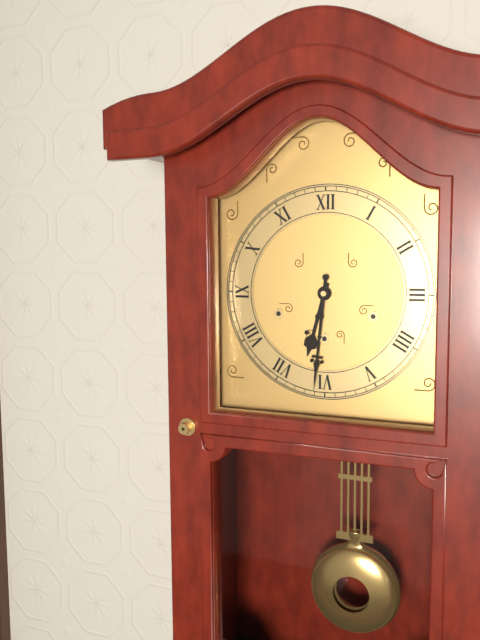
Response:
h=6 m=31
